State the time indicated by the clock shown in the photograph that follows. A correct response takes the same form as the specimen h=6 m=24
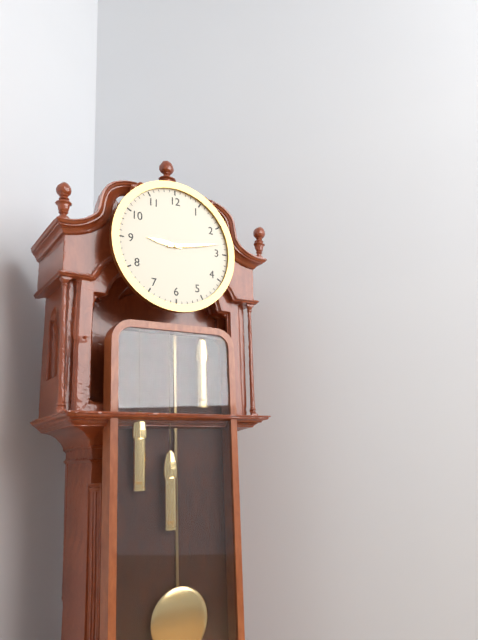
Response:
h=9 m=13
